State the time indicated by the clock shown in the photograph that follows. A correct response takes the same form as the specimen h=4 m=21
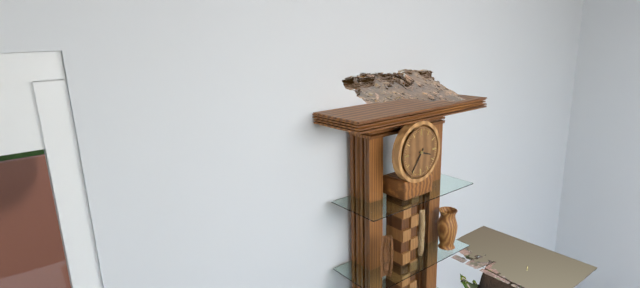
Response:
h=3 m=36
